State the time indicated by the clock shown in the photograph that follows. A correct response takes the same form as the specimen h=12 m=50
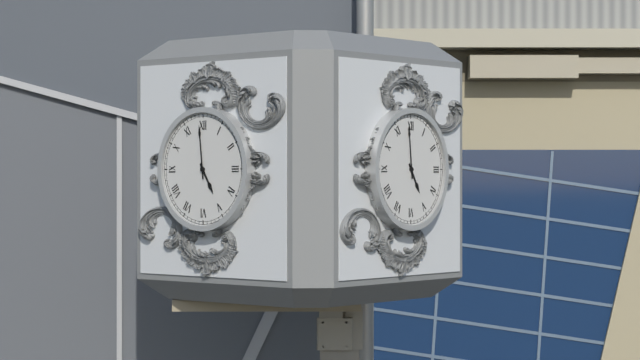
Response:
h=4 m=59
